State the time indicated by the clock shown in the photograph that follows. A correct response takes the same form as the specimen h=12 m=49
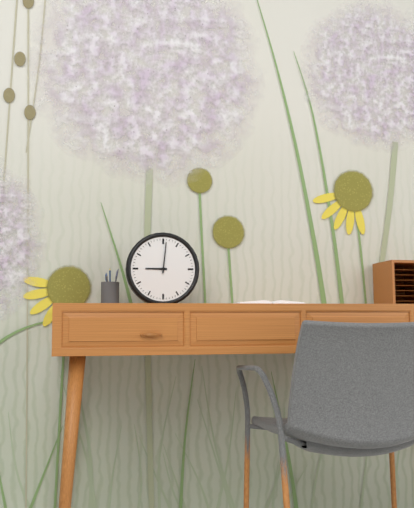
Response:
h=9 m=1
